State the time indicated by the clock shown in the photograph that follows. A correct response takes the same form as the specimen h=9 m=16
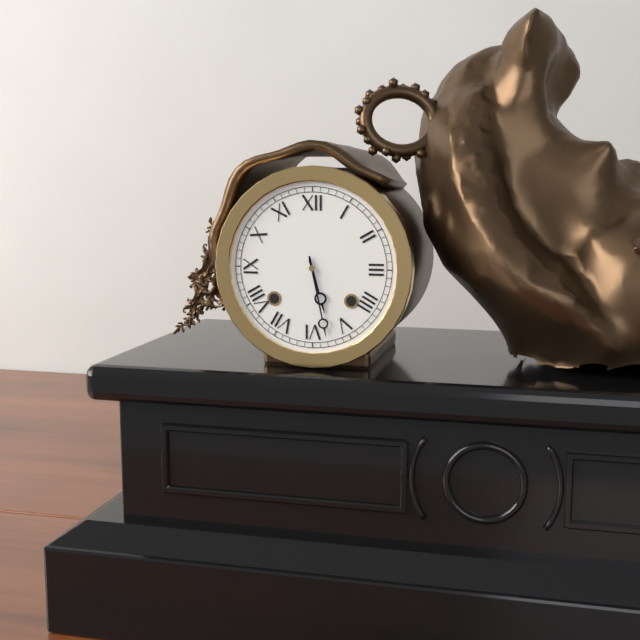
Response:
h=5 m=28
